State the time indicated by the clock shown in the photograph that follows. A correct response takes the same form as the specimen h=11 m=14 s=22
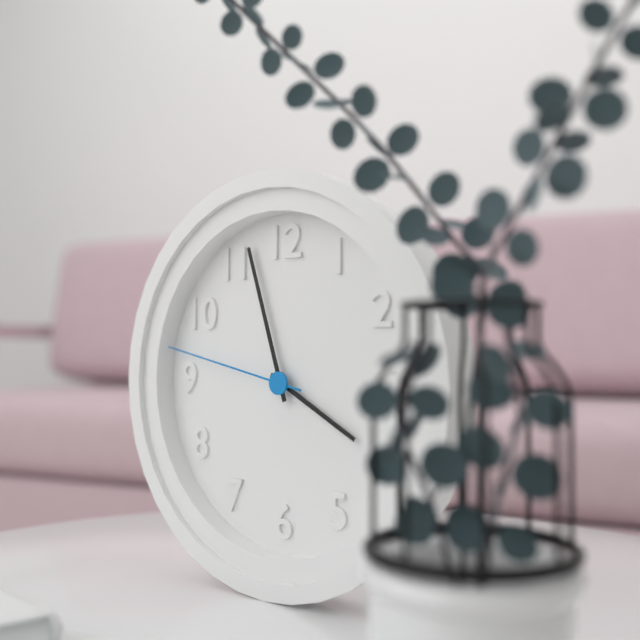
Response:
h=3 m=57 s=47
